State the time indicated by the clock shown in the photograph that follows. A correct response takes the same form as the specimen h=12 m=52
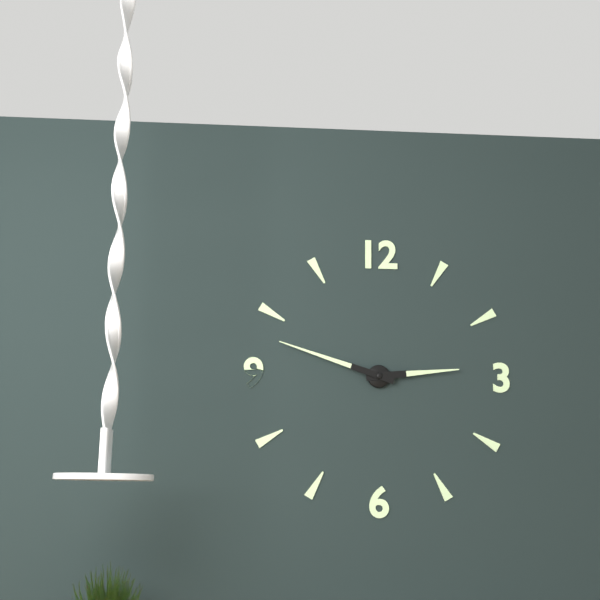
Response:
h=2 m=48
